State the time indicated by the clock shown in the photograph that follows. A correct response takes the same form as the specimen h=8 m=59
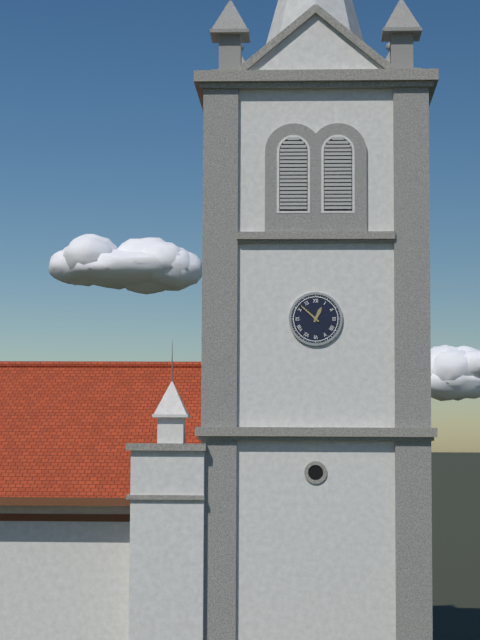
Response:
h=12 m=52
